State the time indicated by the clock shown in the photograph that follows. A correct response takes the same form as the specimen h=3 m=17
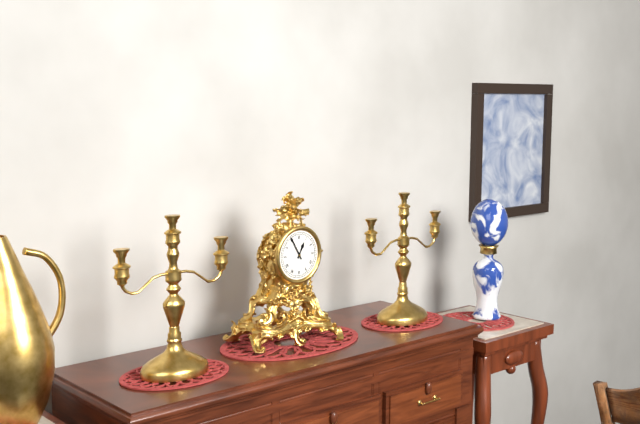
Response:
h=12 m=55
